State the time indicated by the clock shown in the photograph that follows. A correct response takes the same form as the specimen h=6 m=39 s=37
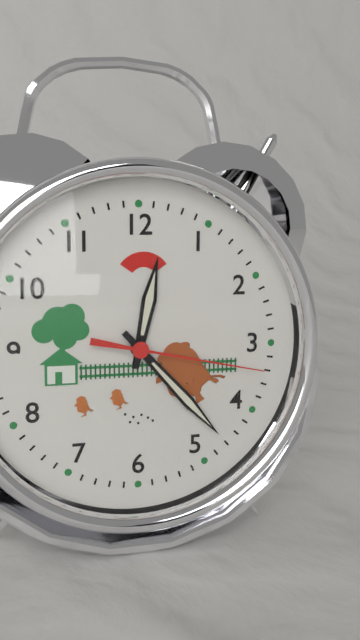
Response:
h=12 m=23 s=17
